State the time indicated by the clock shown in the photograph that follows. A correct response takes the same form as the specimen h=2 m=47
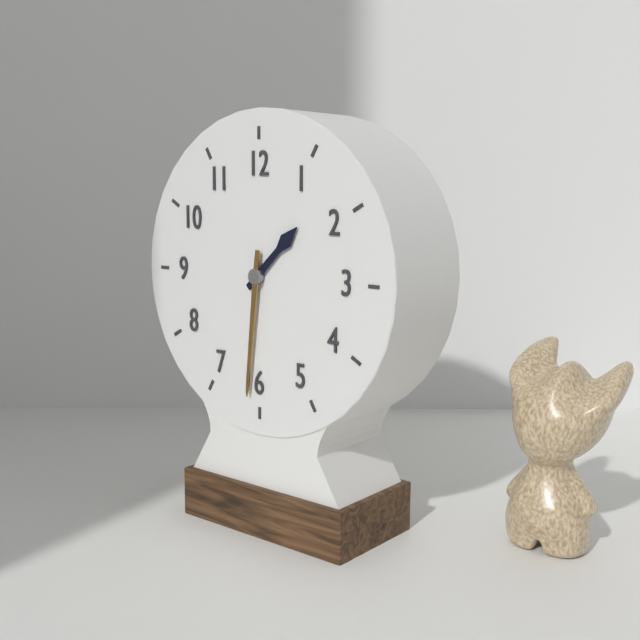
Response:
h=1 m=31
